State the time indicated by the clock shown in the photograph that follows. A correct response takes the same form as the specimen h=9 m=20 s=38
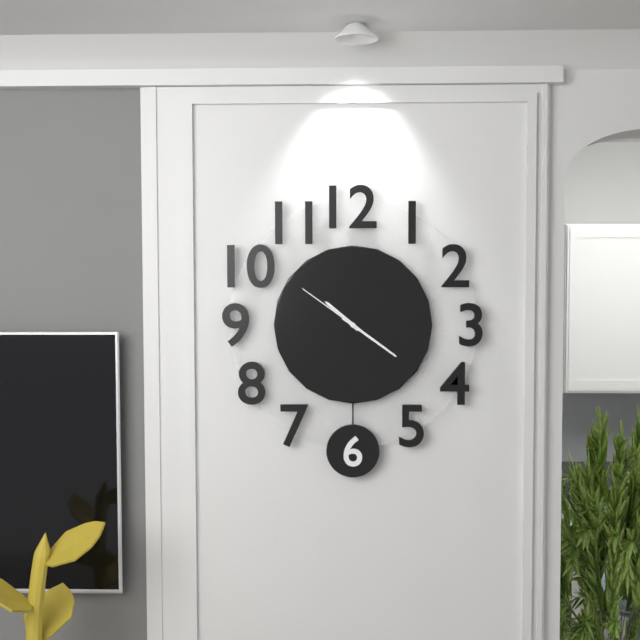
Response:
h=10 m=21 s=51
